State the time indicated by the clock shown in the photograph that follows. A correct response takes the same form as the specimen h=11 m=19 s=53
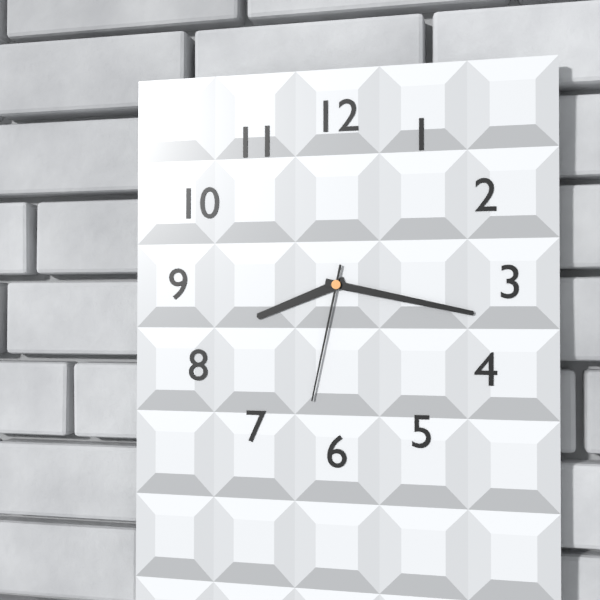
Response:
h=8 m=17 s=32
